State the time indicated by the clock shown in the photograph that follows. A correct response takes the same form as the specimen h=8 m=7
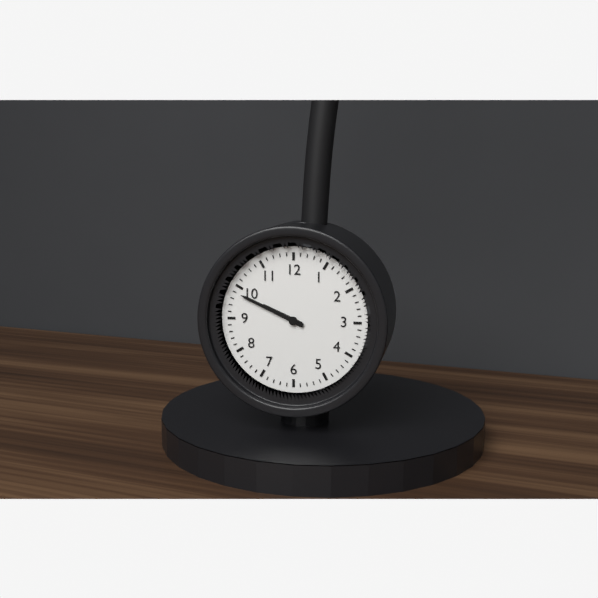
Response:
h=9 m=49
